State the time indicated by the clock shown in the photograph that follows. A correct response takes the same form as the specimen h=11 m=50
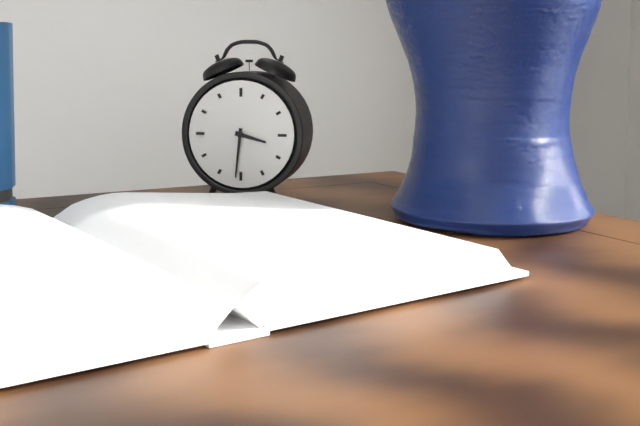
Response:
h=3 m=31
